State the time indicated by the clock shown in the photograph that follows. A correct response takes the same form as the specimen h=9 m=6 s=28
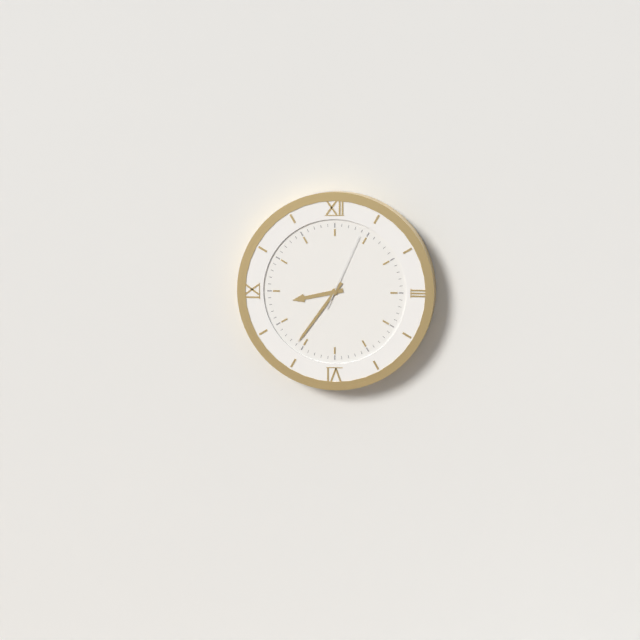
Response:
h=8 m=36 s=4
